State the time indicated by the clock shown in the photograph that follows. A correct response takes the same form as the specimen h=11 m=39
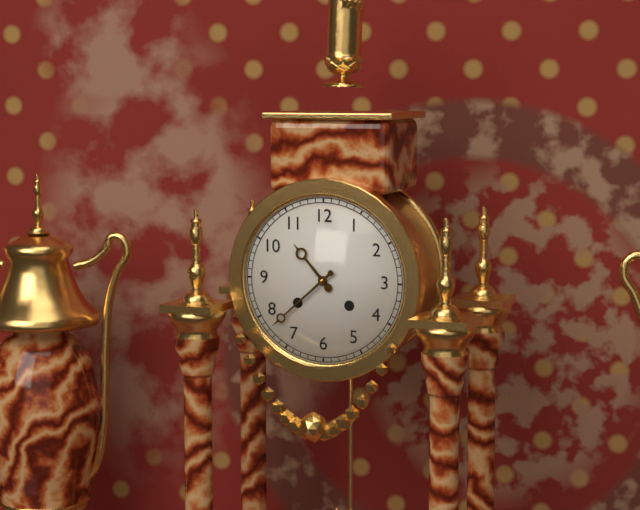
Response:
h=10 m=38
